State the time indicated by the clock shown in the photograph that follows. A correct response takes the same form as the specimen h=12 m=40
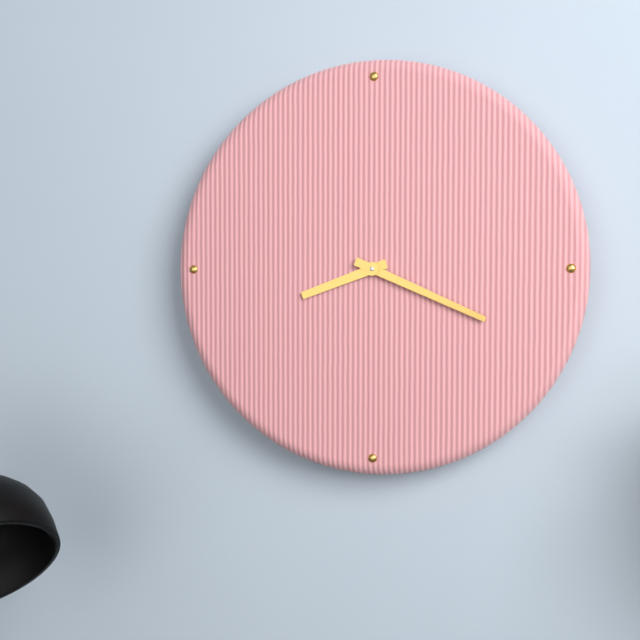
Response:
h=8 m=19
